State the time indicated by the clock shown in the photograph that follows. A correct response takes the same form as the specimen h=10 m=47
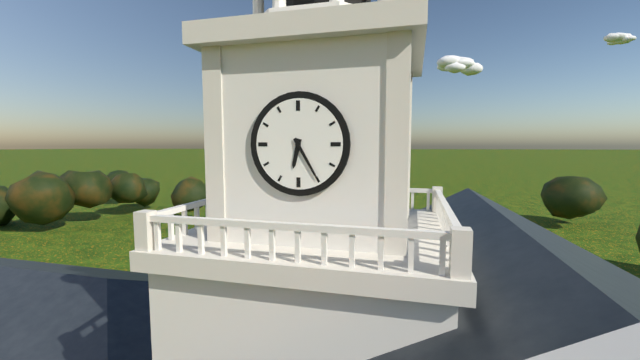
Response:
h=6 m=25
